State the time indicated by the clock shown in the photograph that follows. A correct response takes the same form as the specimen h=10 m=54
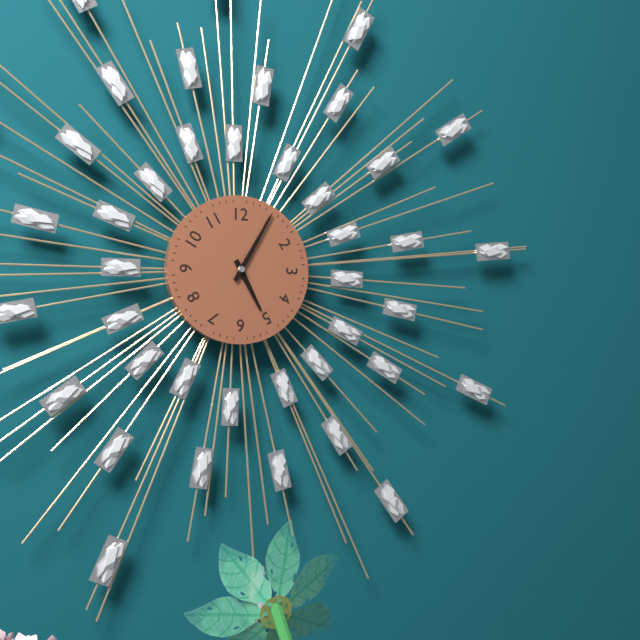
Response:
h=5 m=5
